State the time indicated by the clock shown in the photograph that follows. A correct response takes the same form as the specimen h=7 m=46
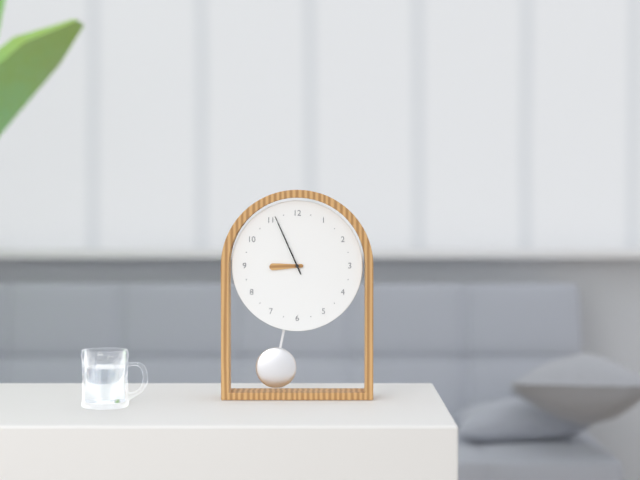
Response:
h=8 m=56
